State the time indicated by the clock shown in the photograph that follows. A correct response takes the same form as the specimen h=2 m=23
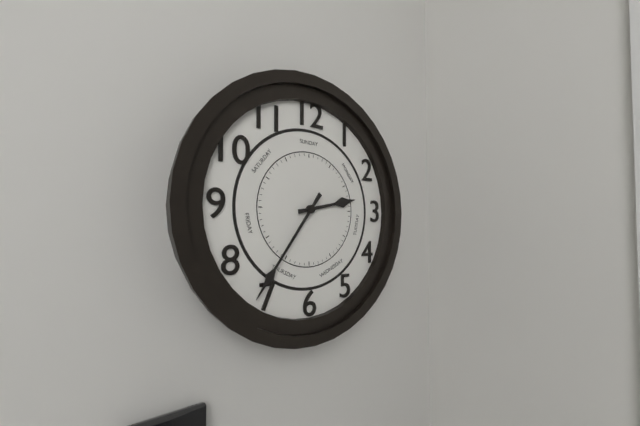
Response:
h=2 m=36
